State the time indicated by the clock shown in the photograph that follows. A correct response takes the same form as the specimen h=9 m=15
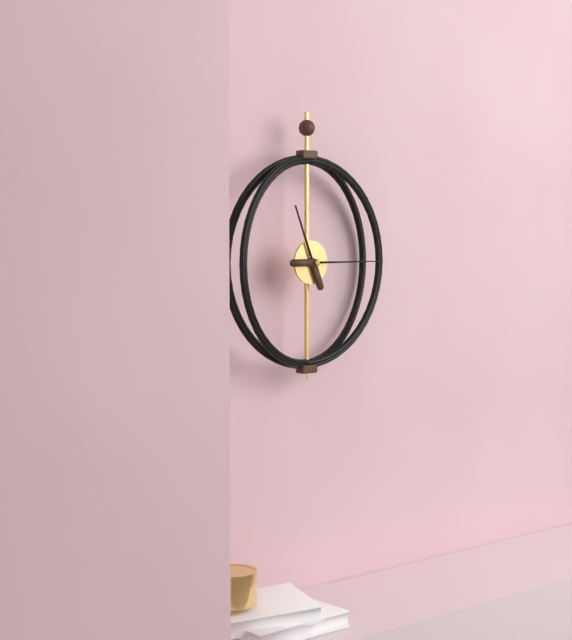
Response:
h=11 m=15
